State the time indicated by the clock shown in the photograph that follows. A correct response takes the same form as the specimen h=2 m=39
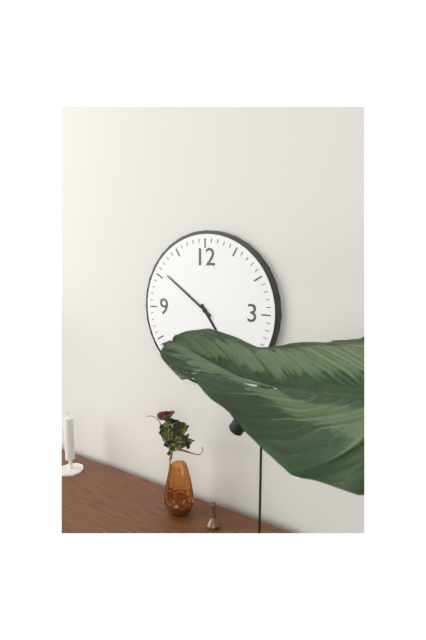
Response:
h=4 m=51
